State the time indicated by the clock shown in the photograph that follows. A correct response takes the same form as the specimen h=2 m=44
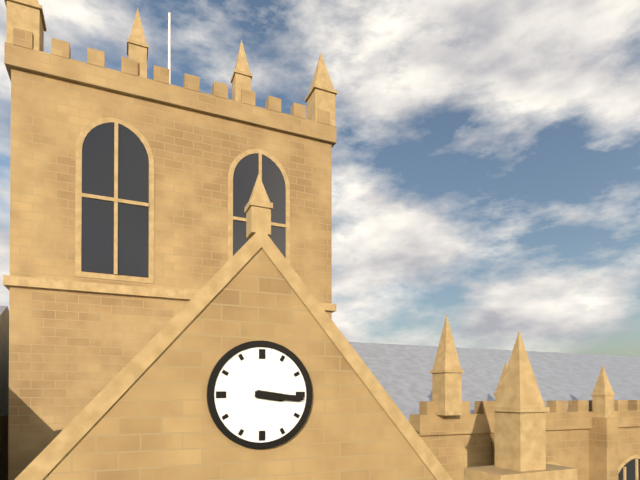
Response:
h=3 m=16
